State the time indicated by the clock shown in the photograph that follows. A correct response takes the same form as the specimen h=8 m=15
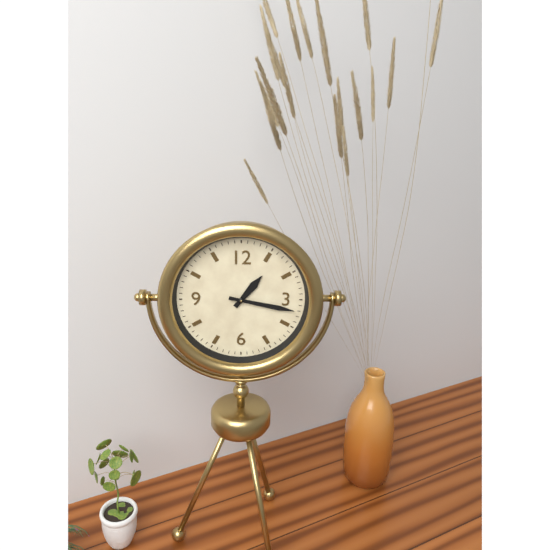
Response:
h=1 m=17
